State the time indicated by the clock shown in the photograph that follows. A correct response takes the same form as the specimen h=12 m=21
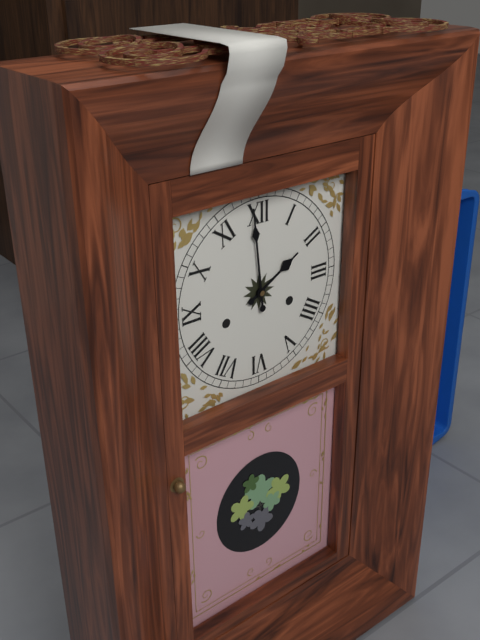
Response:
h=1 m=59
